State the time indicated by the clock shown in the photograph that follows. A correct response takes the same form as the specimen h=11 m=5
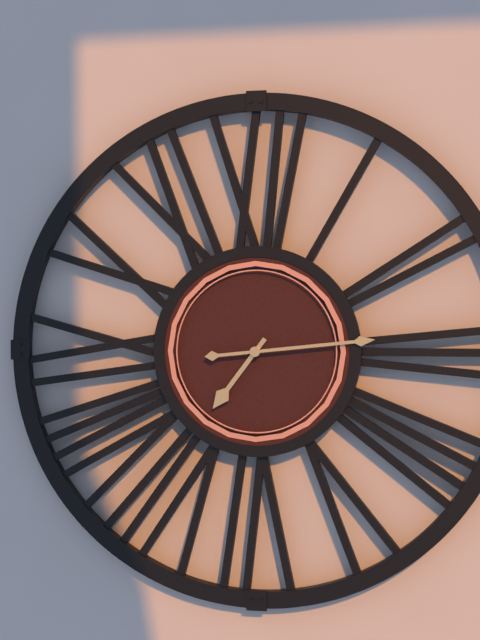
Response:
h=7 m=14
